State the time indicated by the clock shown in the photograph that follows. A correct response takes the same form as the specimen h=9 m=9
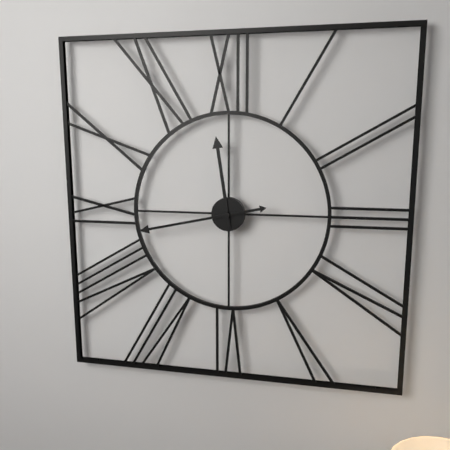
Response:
h=11 m=43
